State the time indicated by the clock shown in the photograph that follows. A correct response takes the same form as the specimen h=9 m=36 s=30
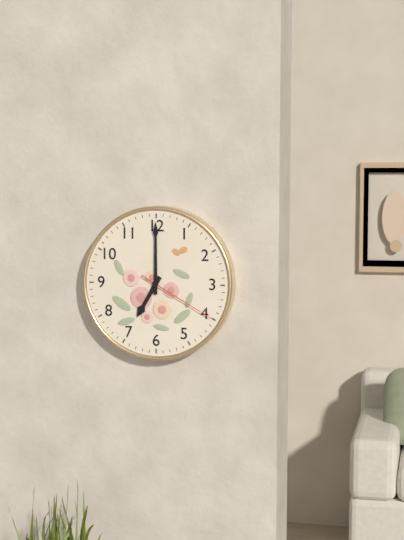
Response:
h=7 m=0 s=20
